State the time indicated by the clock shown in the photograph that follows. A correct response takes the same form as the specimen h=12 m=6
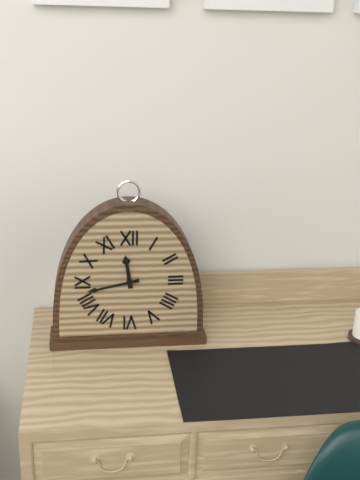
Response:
h=11 m=43
